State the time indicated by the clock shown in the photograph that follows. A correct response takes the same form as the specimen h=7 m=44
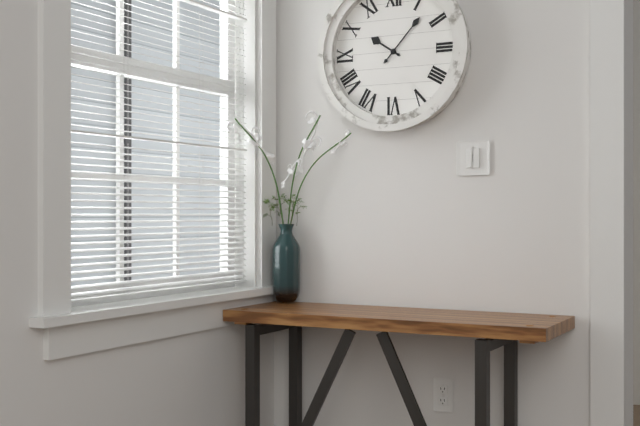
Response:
h=10 m=7
